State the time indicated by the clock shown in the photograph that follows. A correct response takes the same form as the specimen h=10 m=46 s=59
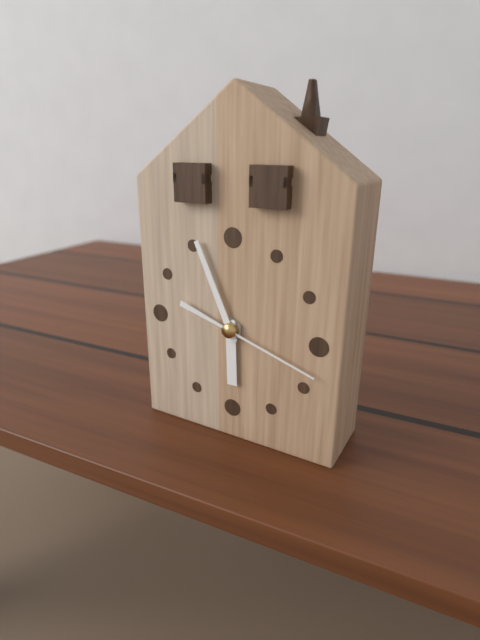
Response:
h=5 m=56 s=18
